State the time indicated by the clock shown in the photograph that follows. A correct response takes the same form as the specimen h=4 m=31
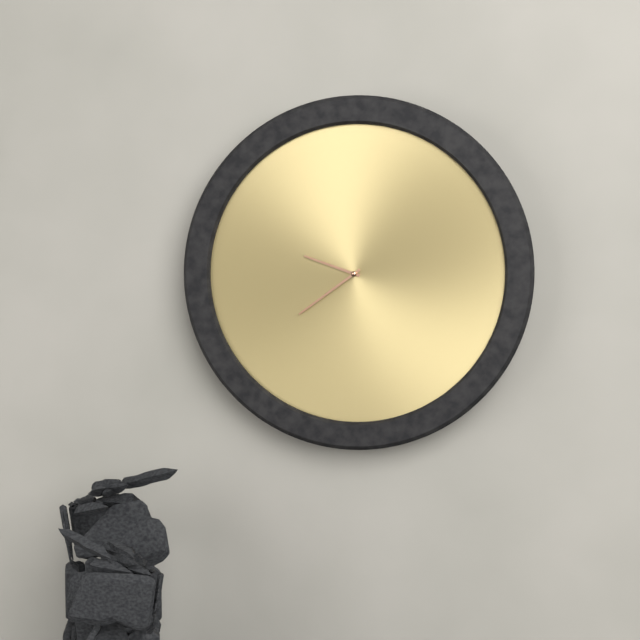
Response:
h=9 m=39
